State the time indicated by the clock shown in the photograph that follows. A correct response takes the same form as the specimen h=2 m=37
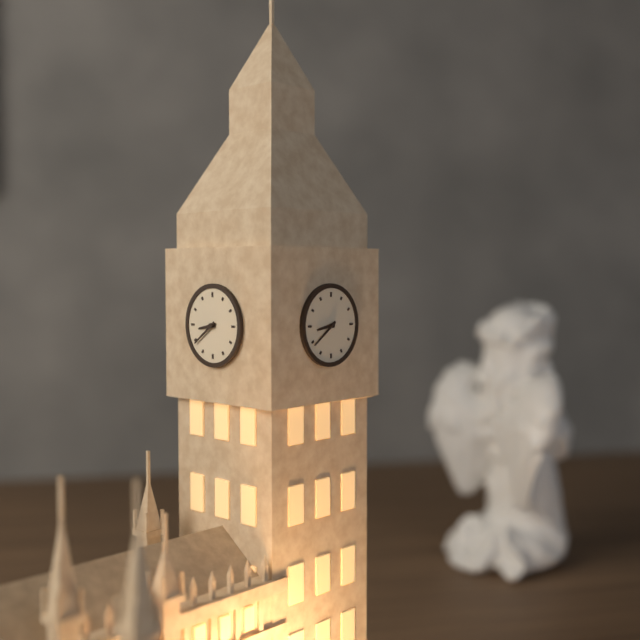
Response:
h=8 m=39
